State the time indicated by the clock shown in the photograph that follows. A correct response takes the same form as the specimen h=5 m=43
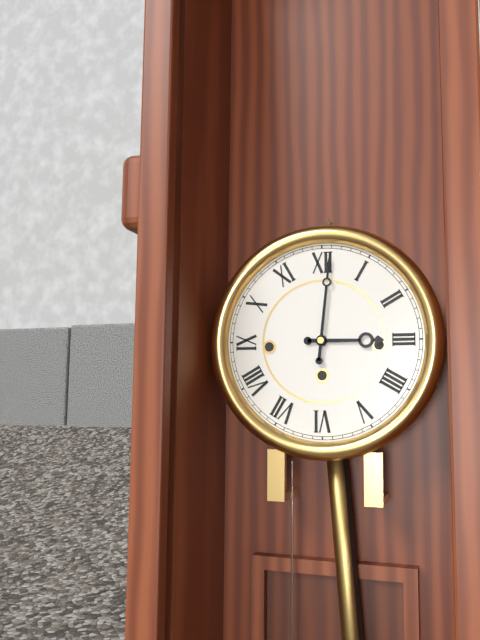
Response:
h=3 m=1
